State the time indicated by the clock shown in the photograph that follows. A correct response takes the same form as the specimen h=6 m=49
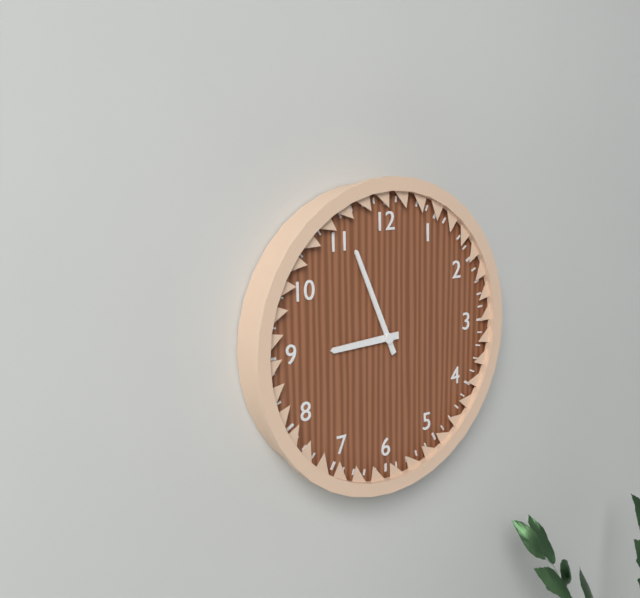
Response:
h=8 m=56
